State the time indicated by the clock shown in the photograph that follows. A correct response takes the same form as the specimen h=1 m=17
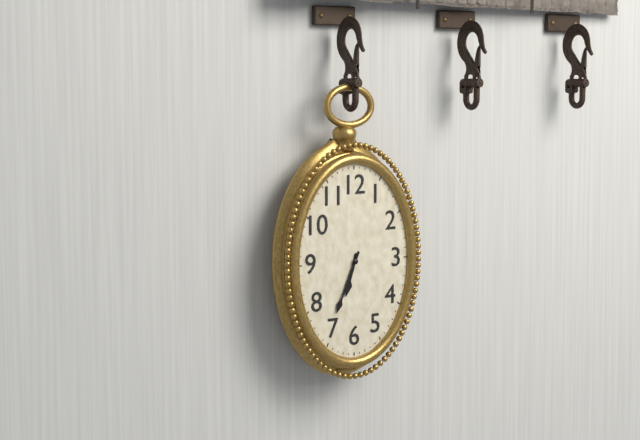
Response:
h=6 m=34
